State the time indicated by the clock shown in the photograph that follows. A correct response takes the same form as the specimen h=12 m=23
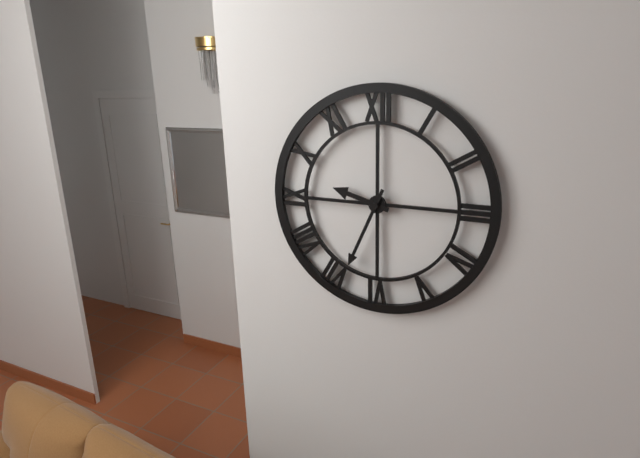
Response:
h=9 m=34
